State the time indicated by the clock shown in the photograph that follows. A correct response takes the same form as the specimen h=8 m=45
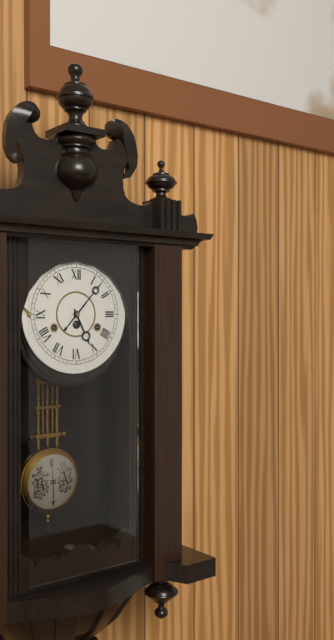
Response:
h=5 m=7
